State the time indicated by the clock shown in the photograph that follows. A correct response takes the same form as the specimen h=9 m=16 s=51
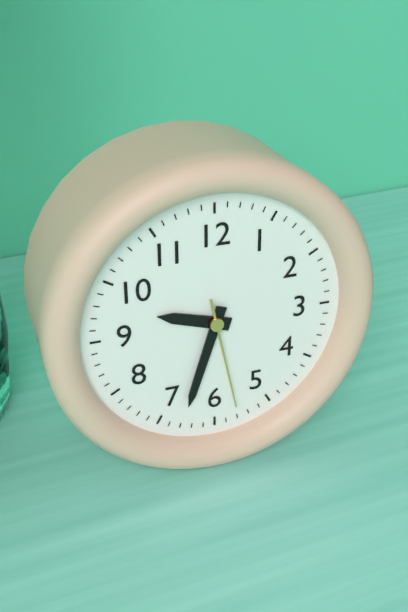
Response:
h=9 m=33 s=28
